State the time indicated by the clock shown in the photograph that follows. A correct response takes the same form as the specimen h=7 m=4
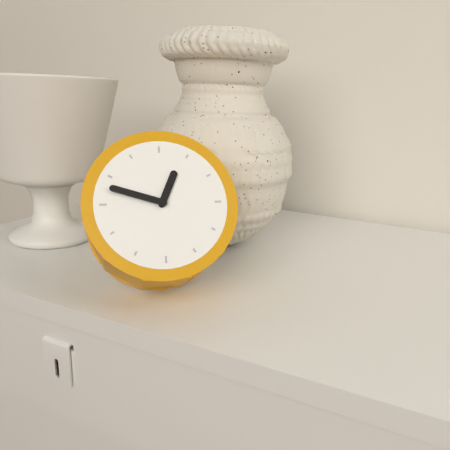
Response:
h=12 m=48
